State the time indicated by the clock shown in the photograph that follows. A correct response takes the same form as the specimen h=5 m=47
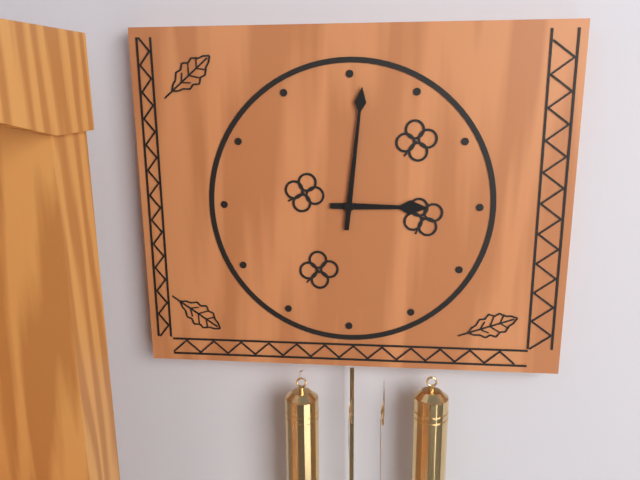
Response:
h=3 m=1
